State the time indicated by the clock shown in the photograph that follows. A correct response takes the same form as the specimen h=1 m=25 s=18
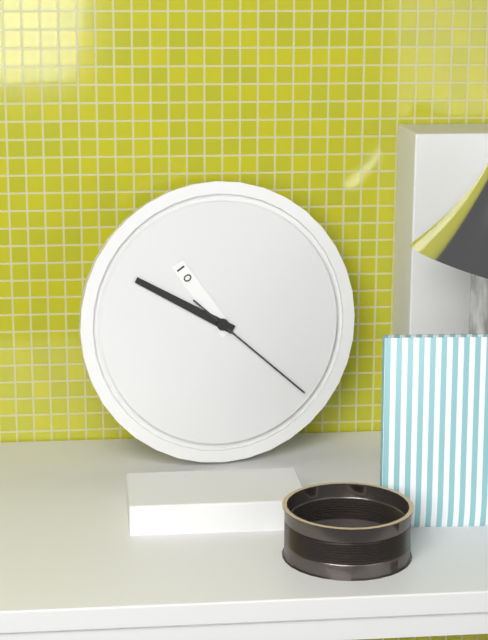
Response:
h=10 m=50 s=22
